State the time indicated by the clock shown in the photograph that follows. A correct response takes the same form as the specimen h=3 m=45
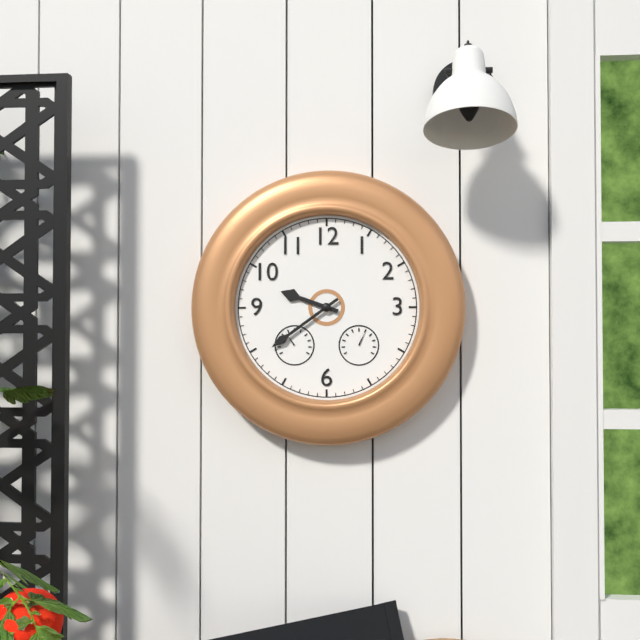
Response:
h=9 m=39
